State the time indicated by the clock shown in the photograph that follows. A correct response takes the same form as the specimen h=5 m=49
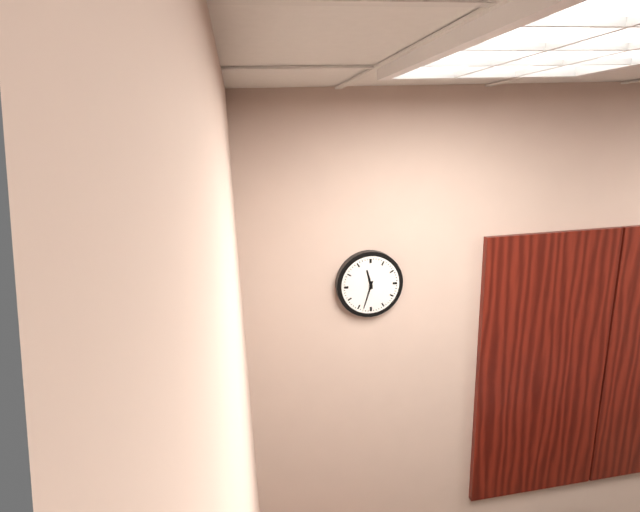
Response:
h=11 m=33
